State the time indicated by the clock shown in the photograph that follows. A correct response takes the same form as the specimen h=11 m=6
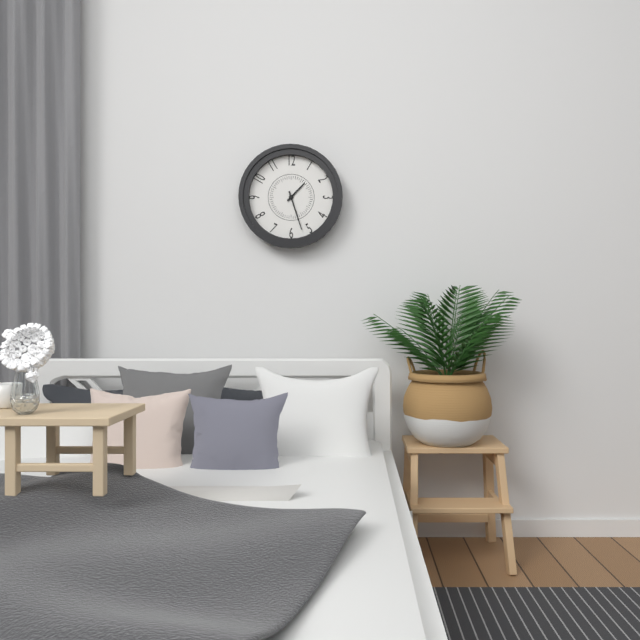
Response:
h=1 m=27
